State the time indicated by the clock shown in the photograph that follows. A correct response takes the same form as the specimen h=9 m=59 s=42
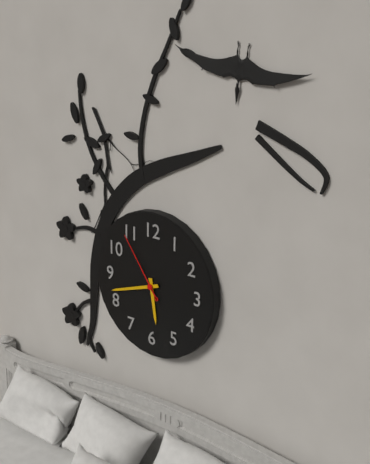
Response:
h=5 m=42 s=54
